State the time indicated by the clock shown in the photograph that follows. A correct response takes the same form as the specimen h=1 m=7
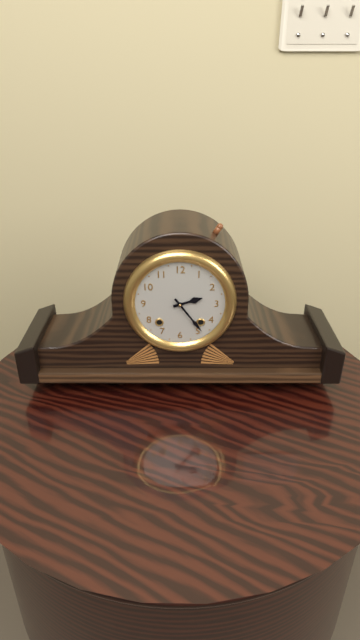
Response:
h=2 m=24
